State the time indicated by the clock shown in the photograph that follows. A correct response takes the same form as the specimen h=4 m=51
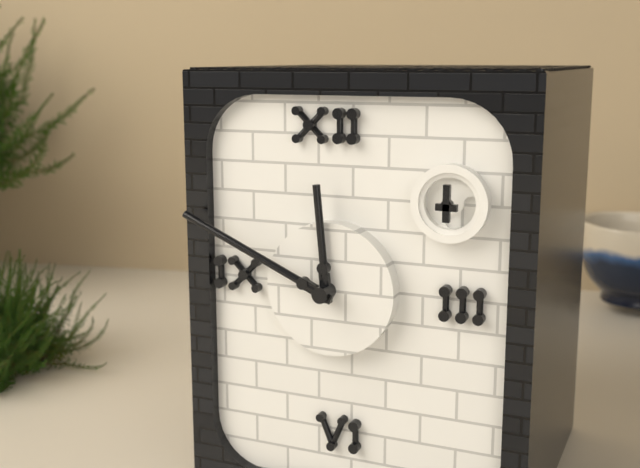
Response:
h=11 m=49
